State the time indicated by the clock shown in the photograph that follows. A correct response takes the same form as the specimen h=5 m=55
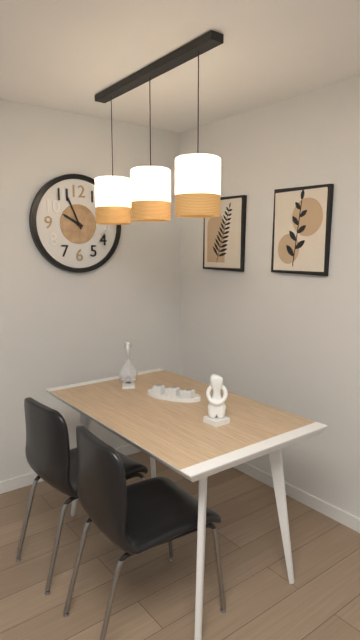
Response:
h=9 m=56
